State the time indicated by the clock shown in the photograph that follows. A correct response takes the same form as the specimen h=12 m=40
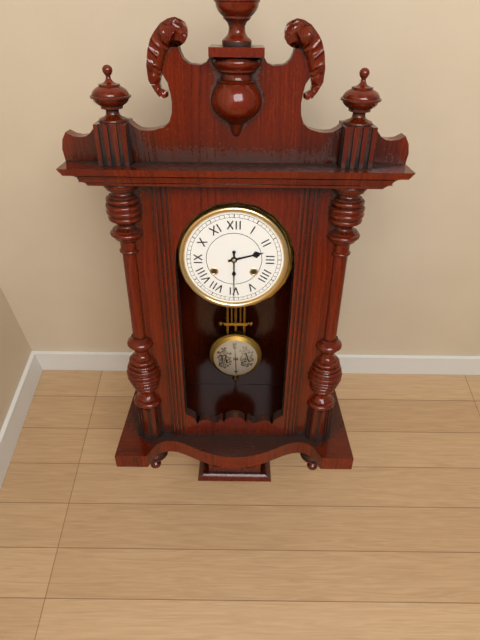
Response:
h=2 m=30
